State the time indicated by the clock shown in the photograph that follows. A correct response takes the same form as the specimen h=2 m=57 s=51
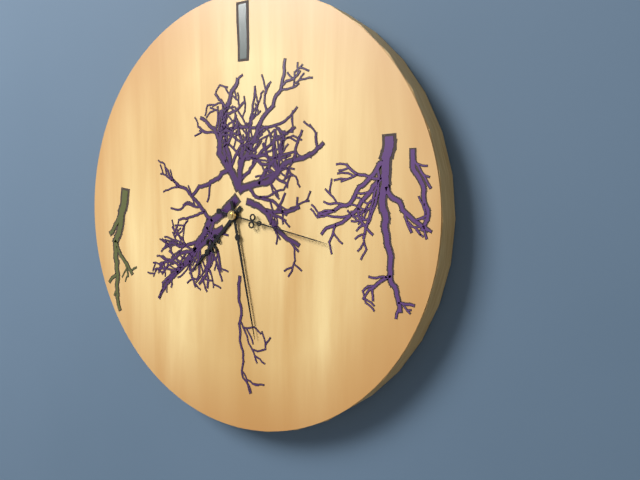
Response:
h=7 m=28 s=17
